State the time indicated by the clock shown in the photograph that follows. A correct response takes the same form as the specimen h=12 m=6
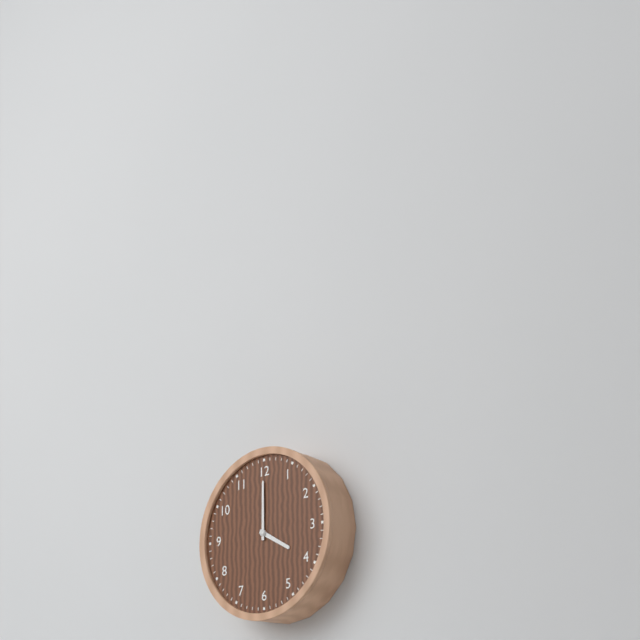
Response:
h=4 m=0
